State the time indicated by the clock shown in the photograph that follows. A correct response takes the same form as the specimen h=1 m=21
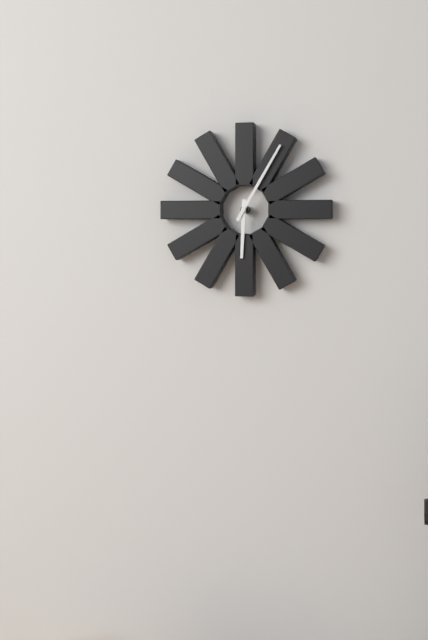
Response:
h=6 m=5
